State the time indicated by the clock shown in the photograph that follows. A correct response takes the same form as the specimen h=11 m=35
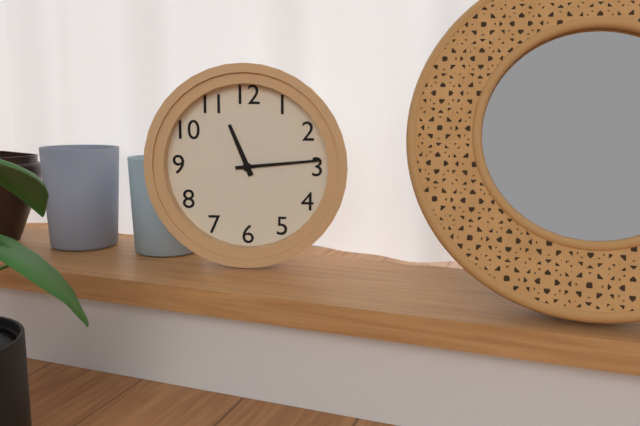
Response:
h=11 m=14
